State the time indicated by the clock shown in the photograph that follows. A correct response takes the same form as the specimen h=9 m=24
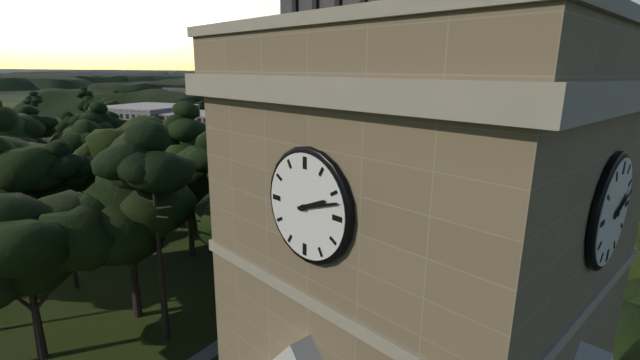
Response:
h=2 m=12
